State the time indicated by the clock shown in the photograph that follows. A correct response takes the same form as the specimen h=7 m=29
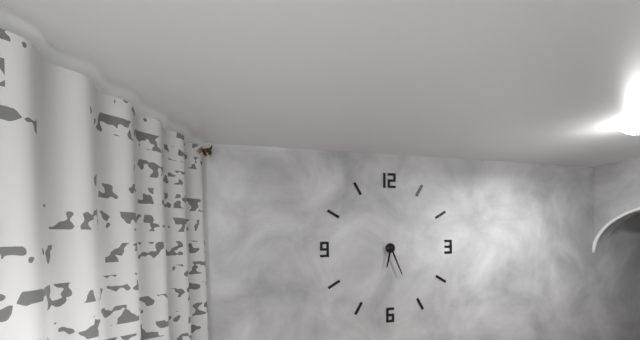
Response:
h=6 m=26
